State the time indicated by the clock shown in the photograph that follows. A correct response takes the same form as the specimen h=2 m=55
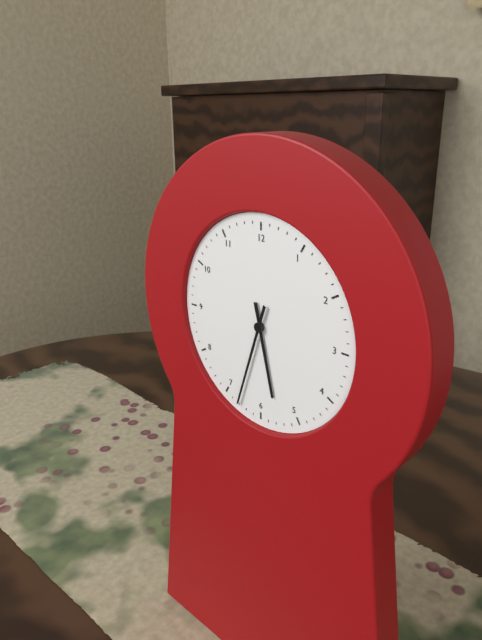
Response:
h=5 m=33
